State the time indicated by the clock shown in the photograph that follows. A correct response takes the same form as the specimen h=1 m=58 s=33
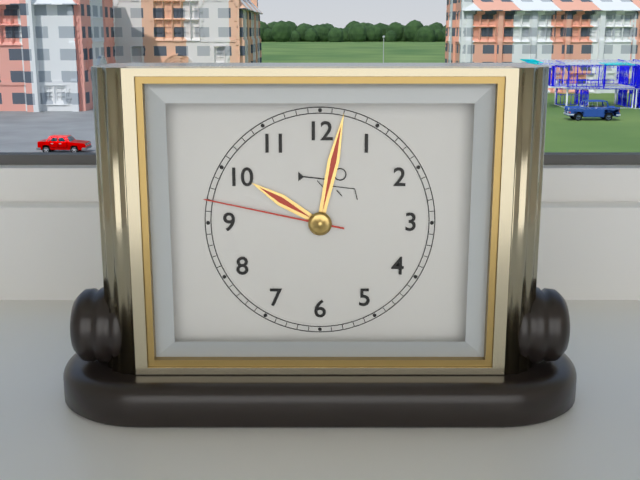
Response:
h=10 m=2 s=47
